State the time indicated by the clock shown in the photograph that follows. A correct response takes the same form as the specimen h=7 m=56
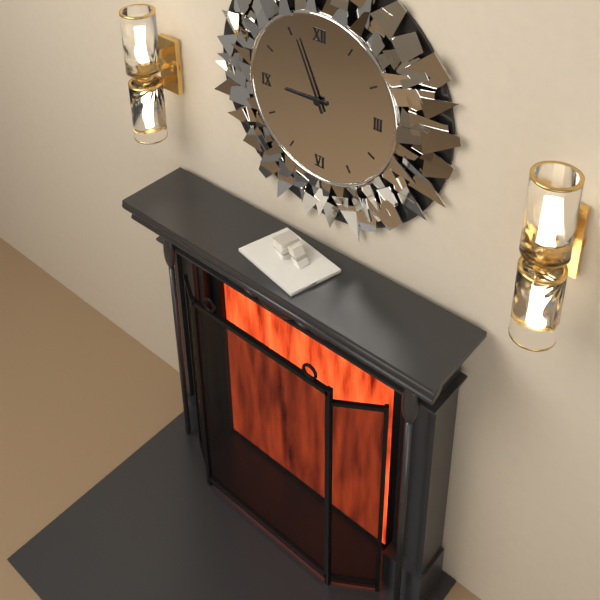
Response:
h=8 m=56
